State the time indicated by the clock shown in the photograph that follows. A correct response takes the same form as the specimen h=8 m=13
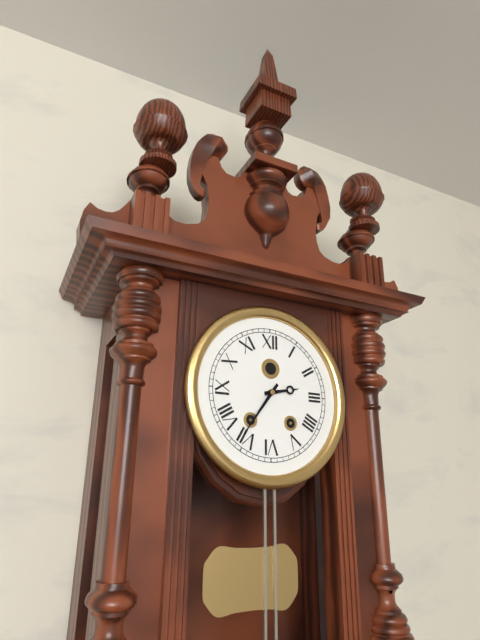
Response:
h=2 m=36
